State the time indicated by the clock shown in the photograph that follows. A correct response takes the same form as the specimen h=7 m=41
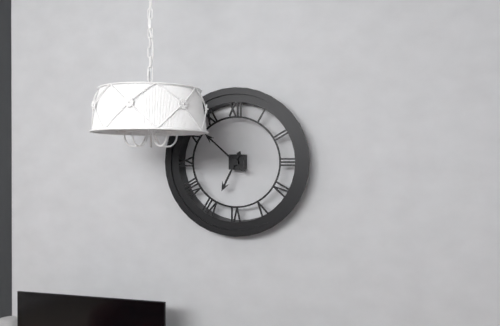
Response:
h=6 m=52
